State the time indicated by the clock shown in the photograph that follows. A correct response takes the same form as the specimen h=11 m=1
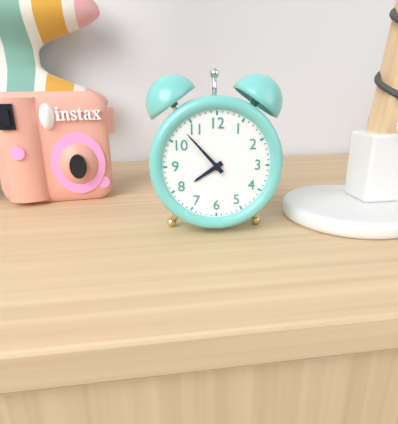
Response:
h=7 m=53
